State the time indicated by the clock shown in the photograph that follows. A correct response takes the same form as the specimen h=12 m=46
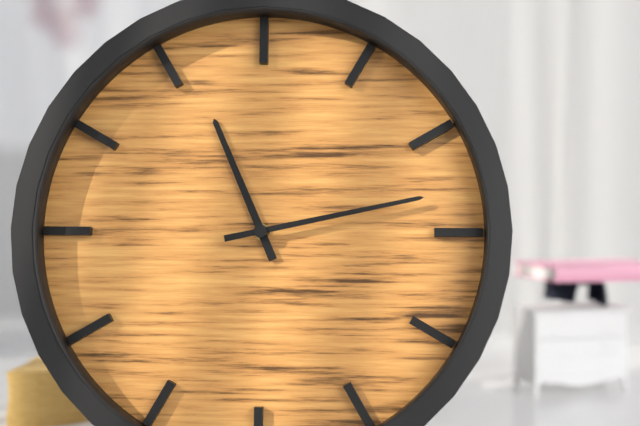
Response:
h=11 m=13
